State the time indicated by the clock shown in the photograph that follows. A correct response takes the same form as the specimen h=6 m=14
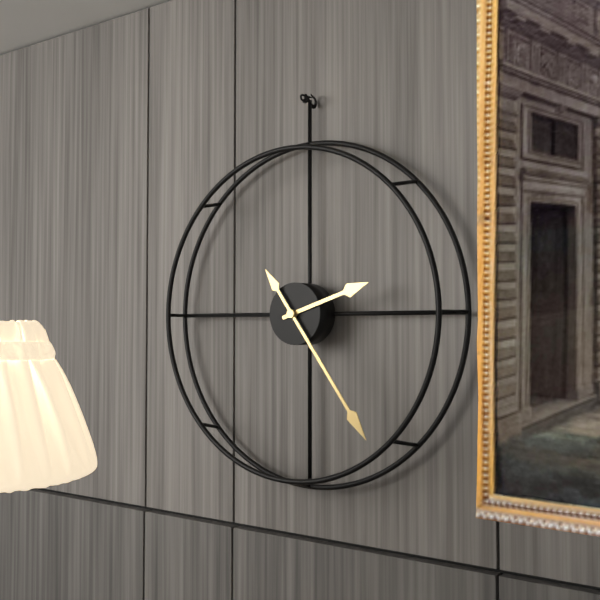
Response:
h=2 m=24
